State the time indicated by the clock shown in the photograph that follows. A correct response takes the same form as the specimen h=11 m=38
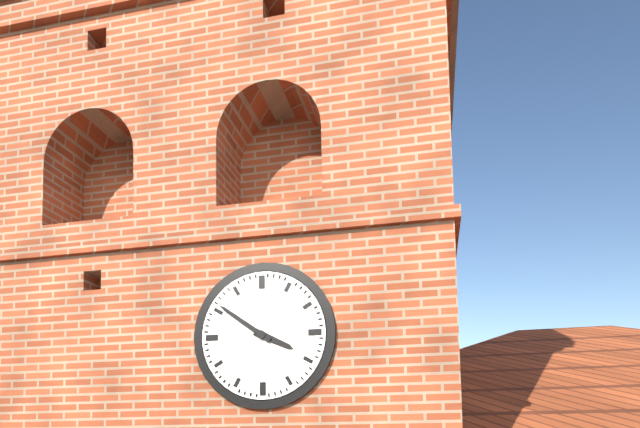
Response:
h=3 m=51
